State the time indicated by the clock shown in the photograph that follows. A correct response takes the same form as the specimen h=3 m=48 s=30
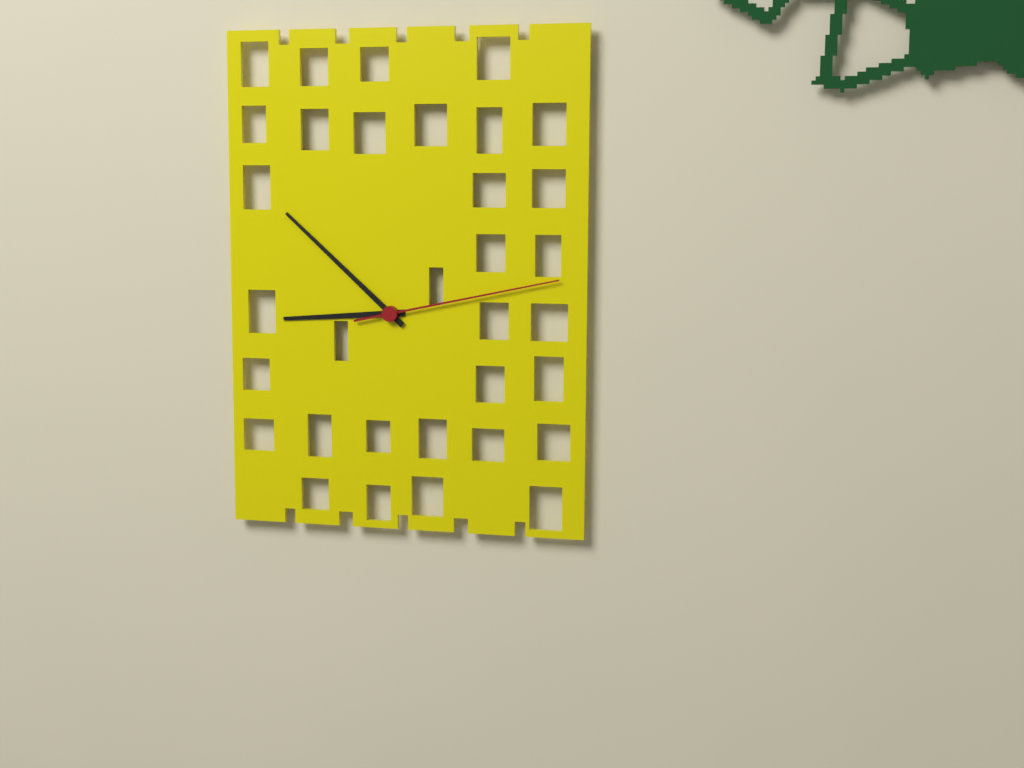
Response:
h=8 m=52 s=13
